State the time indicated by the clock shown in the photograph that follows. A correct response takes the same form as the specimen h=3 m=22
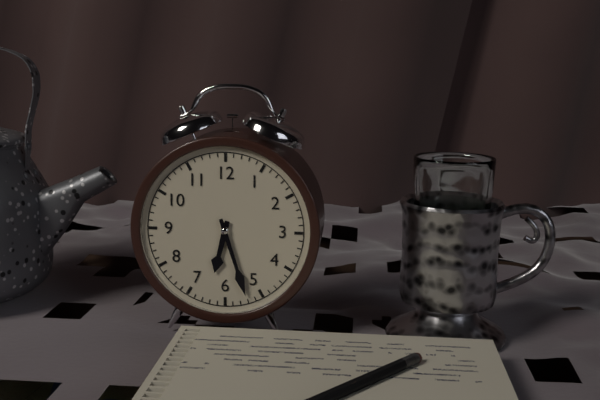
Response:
h=6 m=27
